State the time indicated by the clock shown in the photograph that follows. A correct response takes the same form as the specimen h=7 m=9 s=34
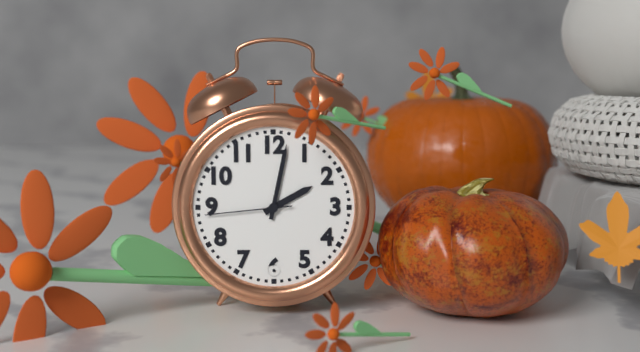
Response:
h=2 m=2 s=44
